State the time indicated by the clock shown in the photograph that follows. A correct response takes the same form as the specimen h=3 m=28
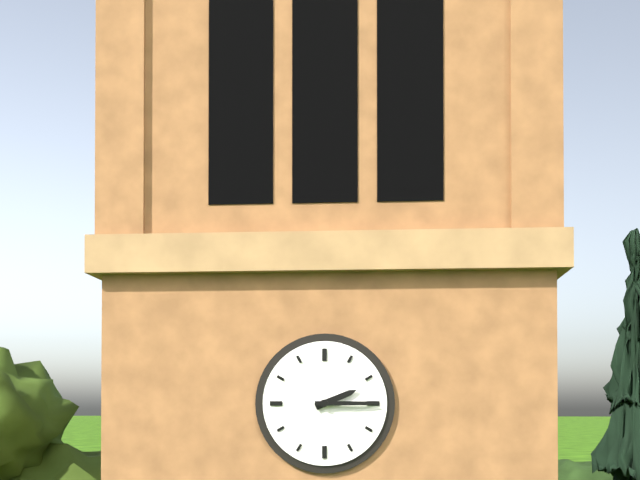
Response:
h=2 m=15
